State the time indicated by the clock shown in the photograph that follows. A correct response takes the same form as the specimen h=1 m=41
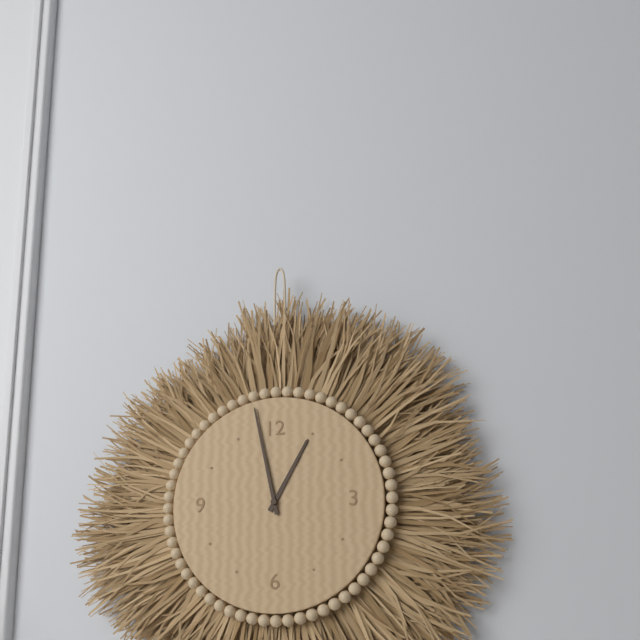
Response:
h=12 m=58
